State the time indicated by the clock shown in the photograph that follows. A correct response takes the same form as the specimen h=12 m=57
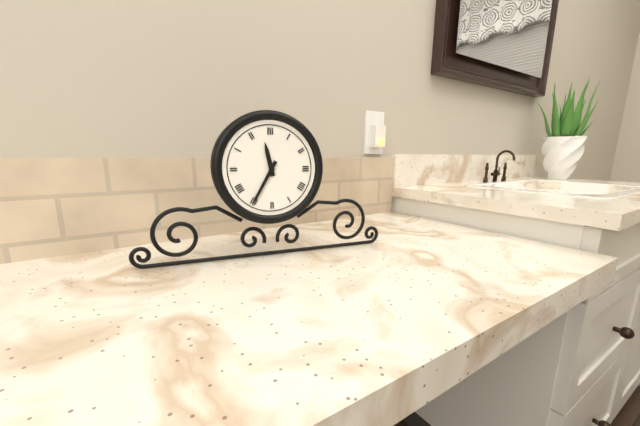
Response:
h=11 m=35
